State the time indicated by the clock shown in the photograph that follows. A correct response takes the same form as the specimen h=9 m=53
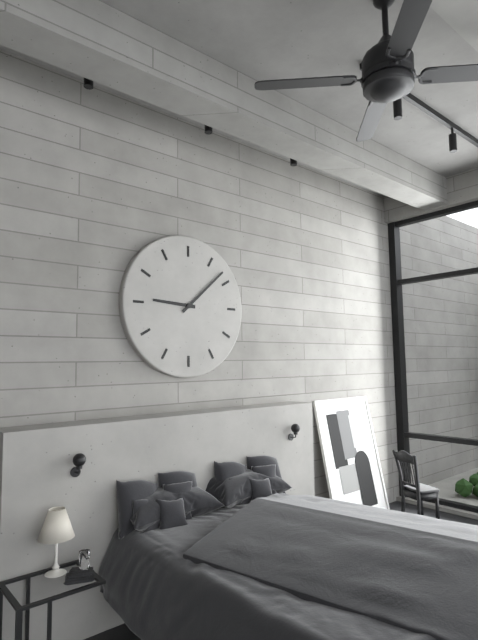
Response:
h=9 m=8
